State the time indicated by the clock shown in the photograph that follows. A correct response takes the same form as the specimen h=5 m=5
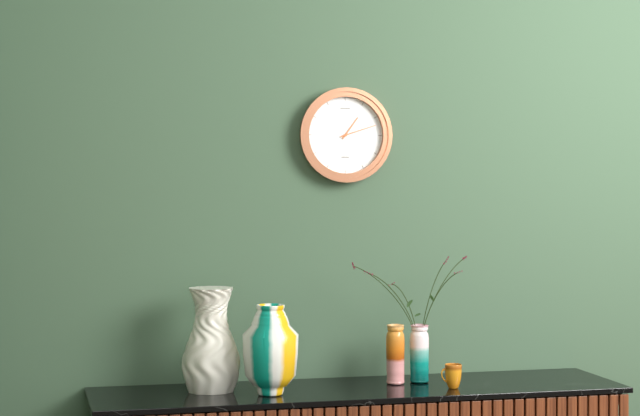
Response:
h=1 m=12
